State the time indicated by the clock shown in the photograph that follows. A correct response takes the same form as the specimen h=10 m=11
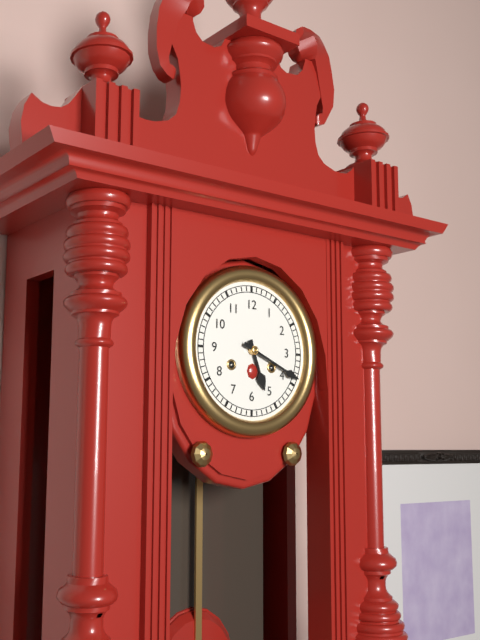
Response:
h=5 m=19
